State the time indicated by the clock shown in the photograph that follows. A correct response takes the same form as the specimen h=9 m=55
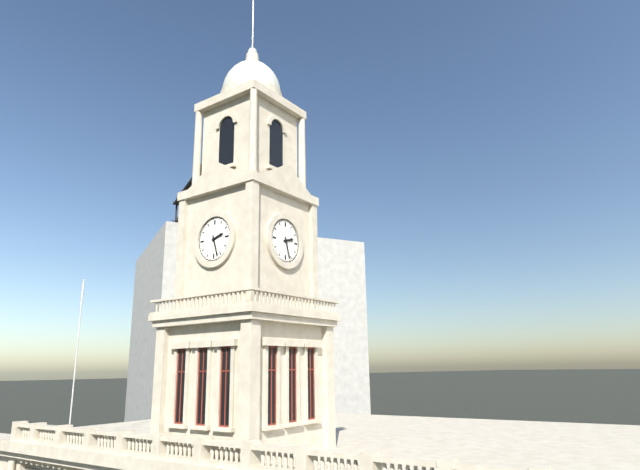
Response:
h=2 m=27
